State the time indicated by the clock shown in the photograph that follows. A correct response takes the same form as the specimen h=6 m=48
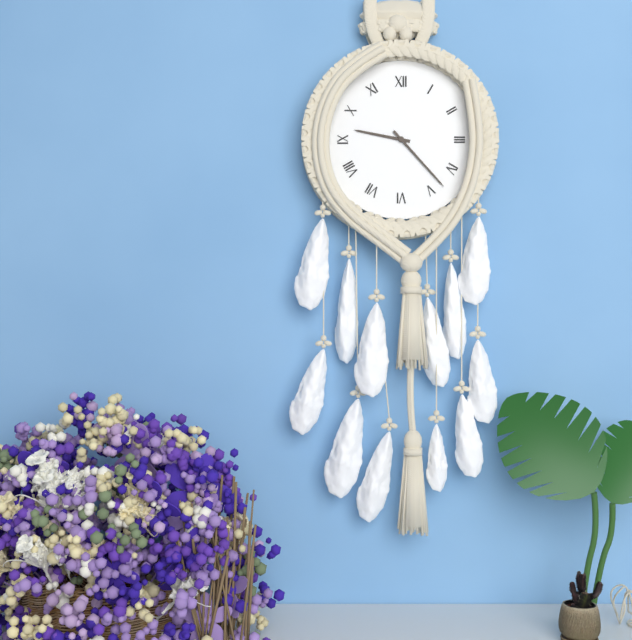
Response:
h=9 m=23
